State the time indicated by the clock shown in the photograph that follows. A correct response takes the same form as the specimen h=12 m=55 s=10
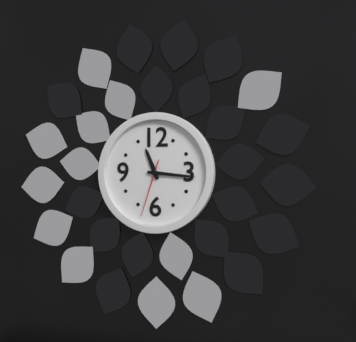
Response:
h=11 m=16 s=33
